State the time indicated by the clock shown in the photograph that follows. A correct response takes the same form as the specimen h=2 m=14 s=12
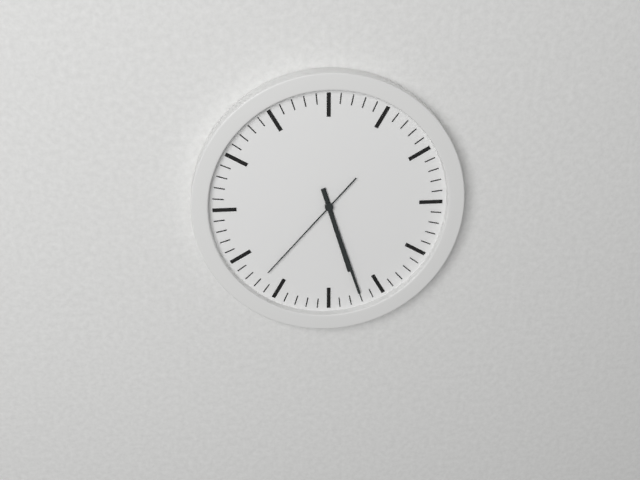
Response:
h=5 m=27 s=37
